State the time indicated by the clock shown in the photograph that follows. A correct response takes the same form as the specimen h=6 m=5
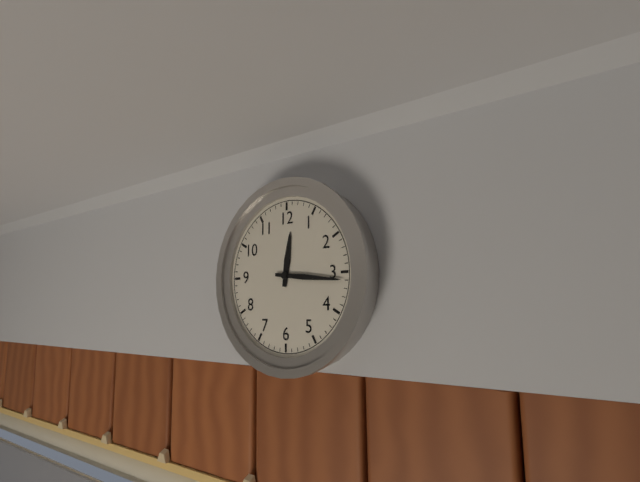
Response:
h=12 m=16
